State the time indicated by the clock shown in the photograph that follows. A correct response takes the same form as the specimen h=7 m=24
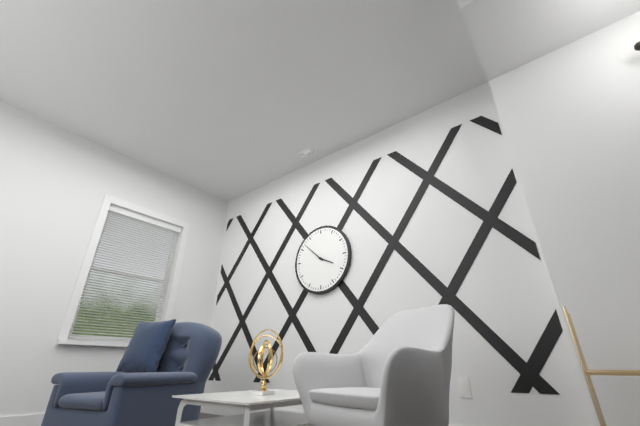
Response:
h=3 m=52
